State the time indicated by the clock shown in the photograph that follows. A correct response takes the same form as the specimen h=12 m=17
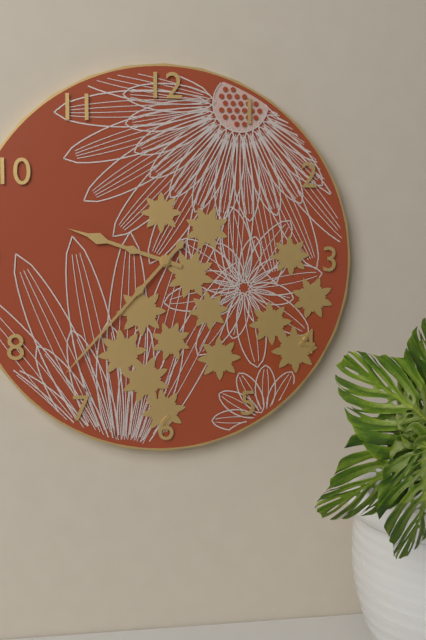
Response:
h=9 m=37
